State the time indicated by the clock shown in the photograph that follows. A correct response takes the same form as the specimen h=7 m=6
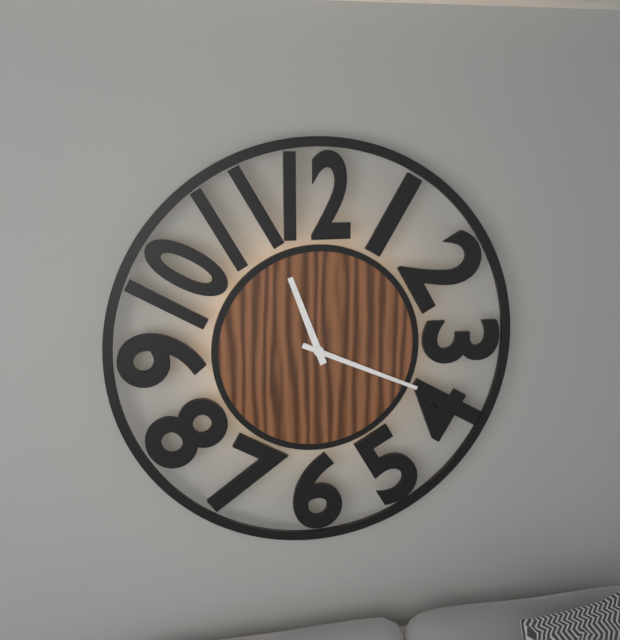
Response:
h=11 m=19
